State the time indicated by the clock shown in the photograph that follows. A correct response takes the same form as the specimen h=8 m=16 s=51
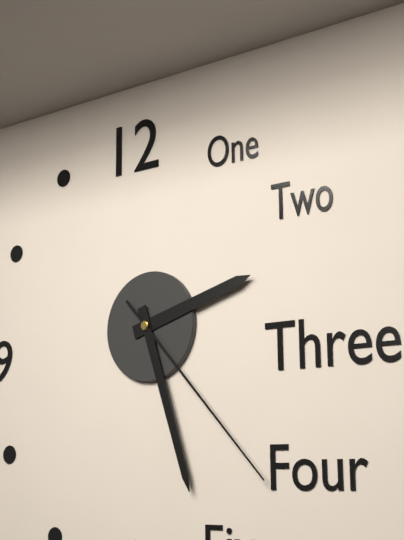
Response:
h=2 m=27 s=23
